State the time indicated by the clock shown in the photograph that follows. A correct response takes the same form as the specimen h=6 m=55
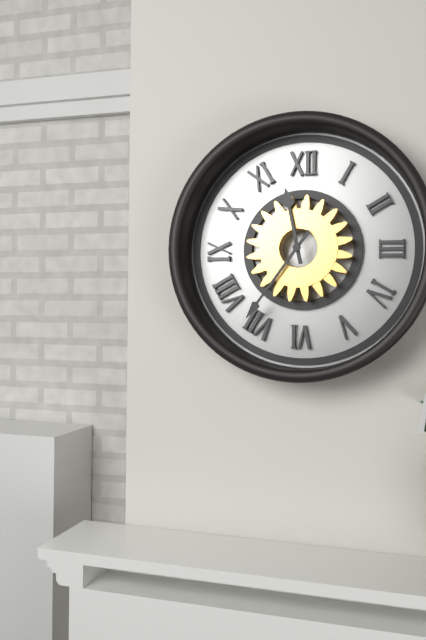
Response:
h=11 m=36
